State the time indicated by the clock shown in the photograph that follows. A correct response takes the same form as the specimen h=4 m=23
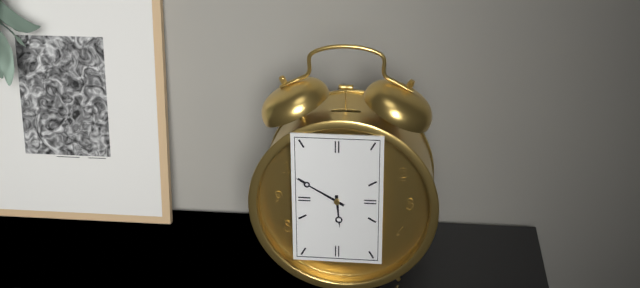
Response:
h=5 m=50
